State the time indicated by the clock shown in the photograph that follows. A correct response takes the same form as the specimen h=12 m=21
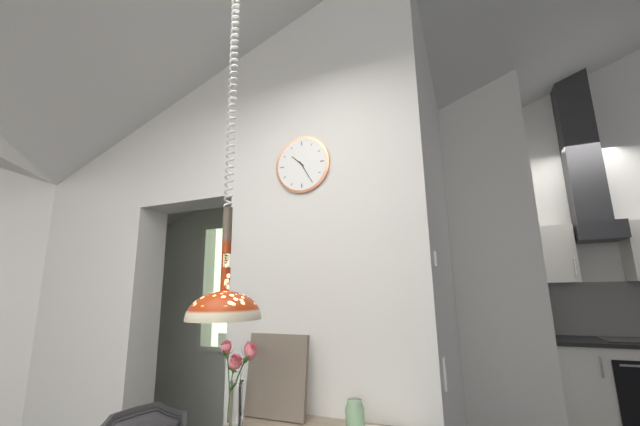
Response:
h=10 m=25
